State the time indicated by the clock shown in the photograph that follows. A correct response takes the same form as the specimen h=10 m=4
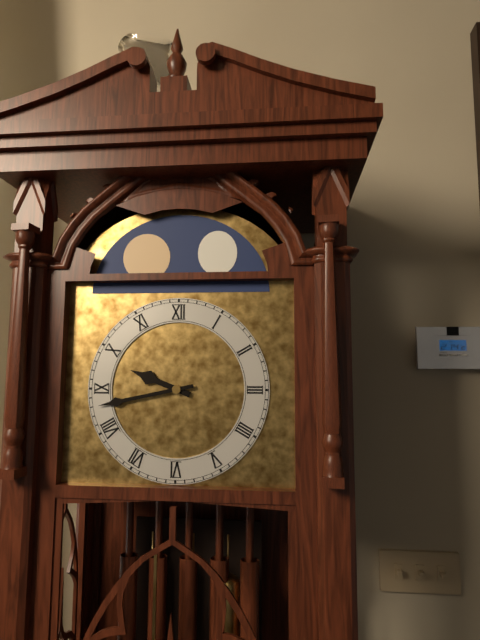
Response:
h=9 m=43
